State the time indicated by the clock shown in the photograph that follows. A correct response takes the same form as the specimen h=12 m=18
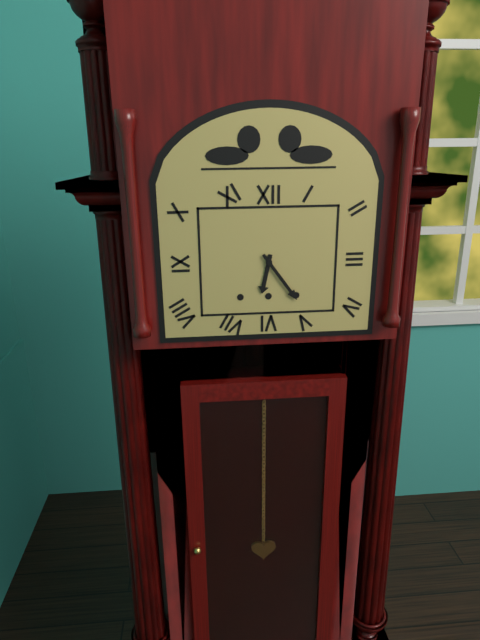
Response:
h=6 m=24
